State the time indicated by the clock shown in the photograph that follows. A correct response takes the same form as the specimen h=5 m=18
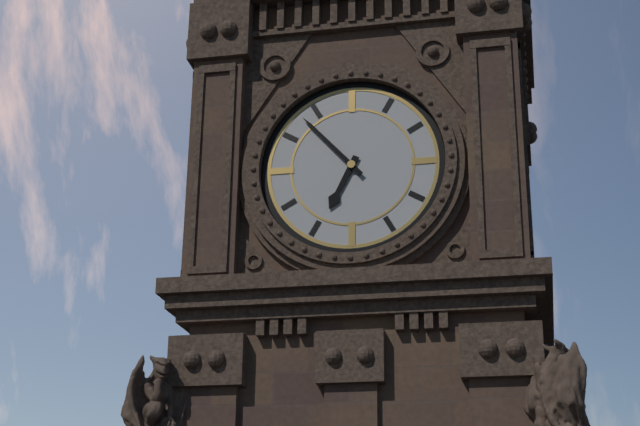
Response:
h=6 m=53
